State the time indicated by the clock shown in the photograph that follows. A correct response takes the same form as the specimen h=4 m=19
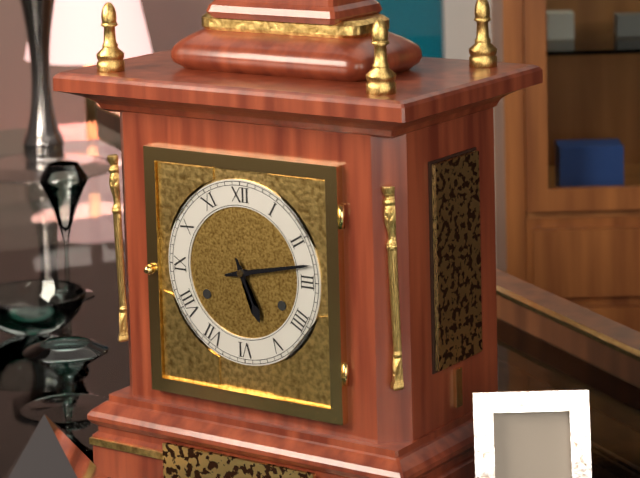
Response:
h=5 m=13
